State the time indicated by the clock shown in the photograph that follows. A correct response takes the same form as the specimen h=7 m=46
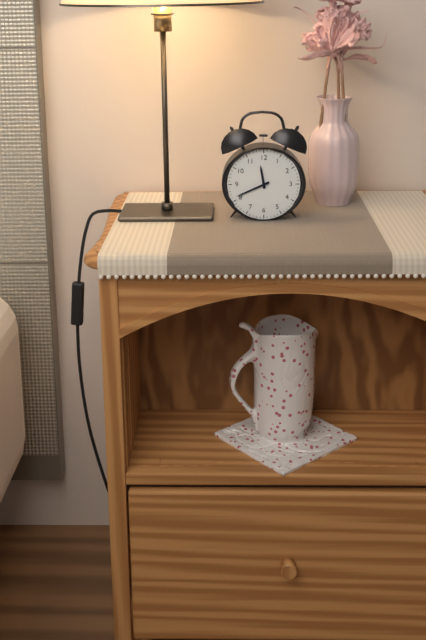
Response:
h=11 m=41
